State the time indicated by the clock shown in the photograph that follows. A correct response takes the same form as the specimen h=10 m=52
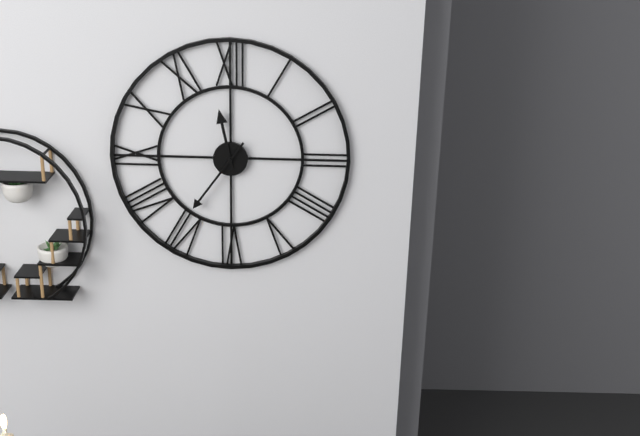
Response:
h=11 m=36
